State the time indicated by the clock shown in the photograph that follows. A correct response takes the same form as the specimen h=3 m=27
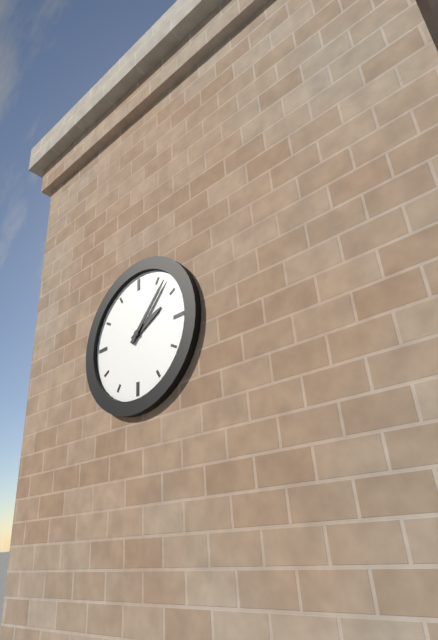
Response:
h=2 m=7
